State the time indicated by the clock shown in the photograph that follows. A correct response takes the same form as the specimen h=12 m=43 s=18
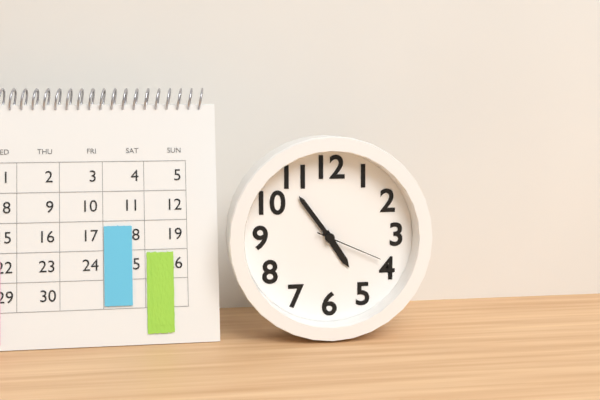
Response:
h=4 m=54 s=19
